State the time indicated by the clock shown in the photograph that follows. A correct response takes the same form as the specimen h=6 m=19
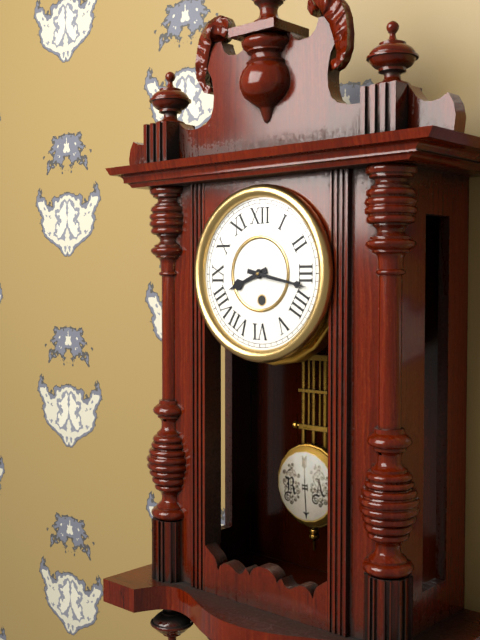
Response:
h=8 m=17
